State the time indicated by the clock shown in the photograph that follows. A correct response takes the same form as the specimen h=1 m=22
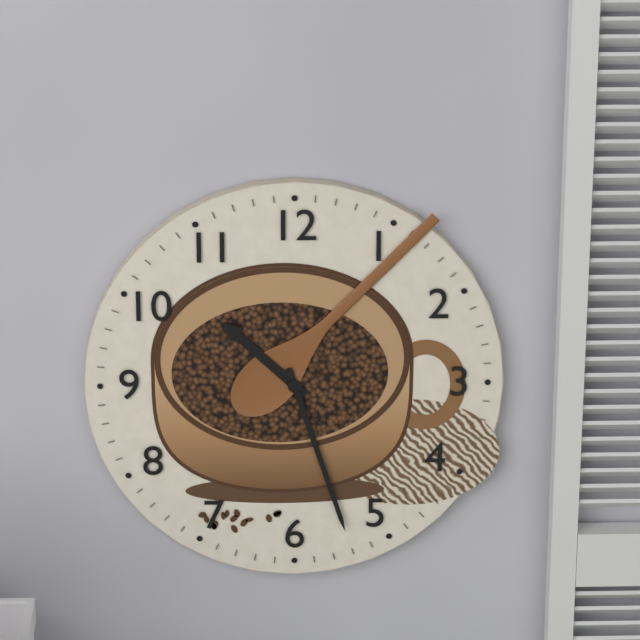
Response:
h=10 m=27
